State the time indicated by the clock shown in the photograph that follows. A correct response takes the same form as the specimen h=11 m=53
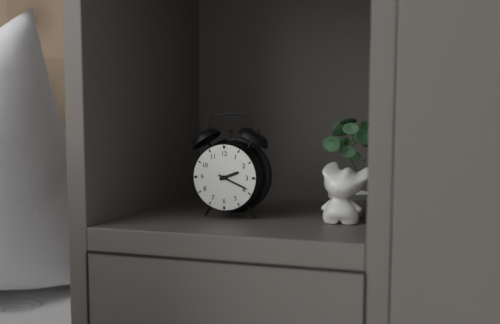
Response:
h=2 m=19
